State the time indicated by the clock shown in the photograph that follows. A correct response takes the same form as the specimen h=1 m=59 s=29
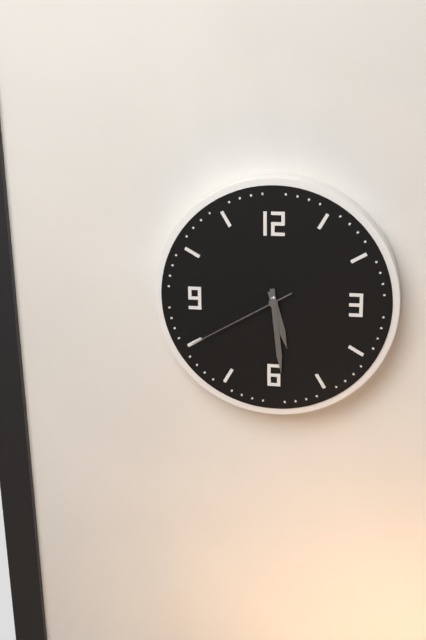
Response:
h=5 m=29 s=40
